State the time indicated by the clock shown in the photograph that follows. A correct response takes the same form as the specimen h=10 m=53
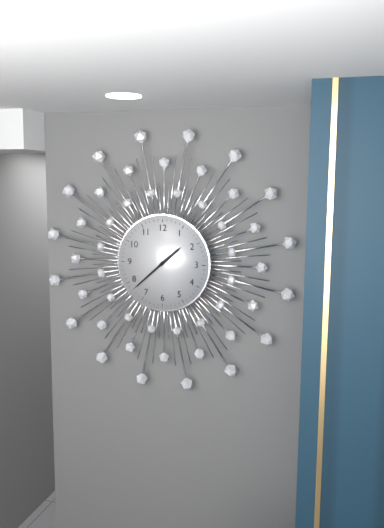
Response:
h=1 m=38
